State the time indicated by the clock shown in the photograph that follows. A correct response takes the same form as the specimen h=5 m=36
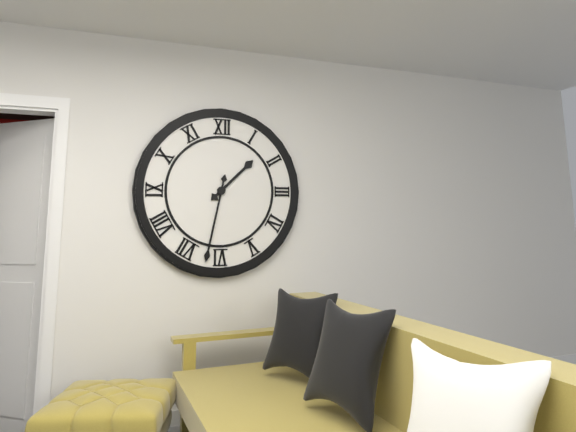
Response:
h=1 m=32
